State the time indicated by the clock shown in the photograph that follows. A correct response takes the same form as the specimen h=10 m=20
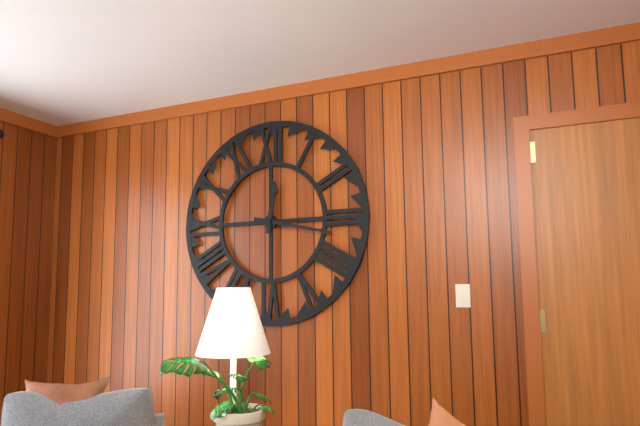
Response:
h=12 m=17
